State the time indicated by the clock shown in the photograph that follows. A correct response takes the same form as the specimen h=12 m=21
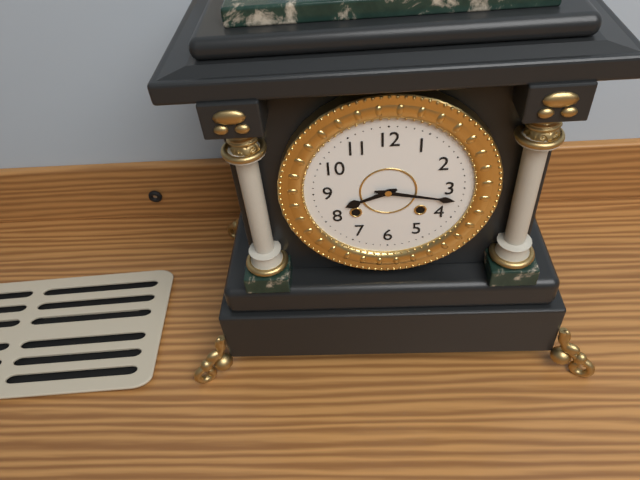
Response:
h=8 m=17
